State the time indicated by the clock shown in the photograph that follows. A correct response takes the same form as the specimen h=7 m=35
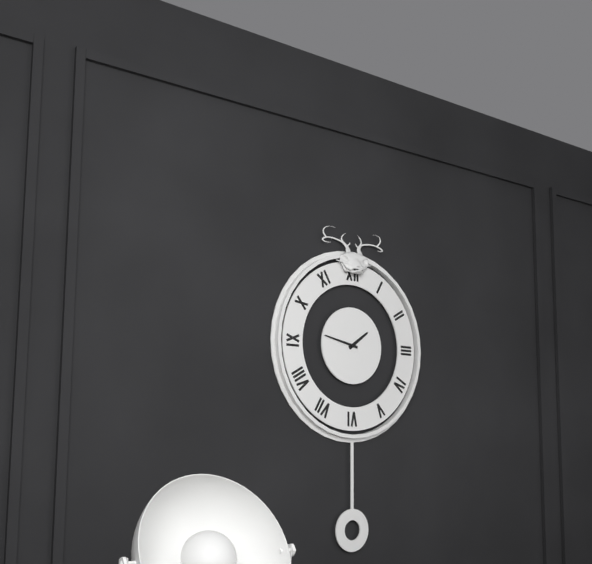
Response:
h=1 m=47
